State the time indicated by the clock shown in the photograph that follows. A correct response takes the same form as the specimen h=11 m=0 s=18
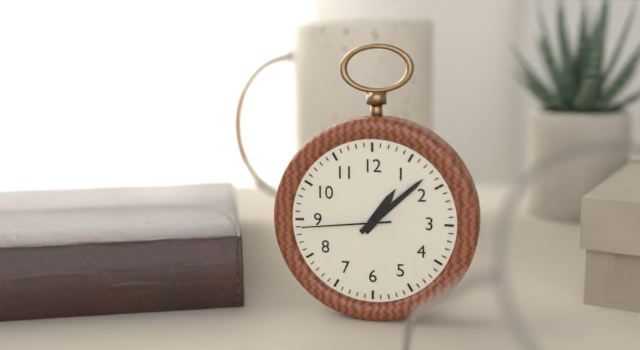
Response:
h=1 m=8 s=44
